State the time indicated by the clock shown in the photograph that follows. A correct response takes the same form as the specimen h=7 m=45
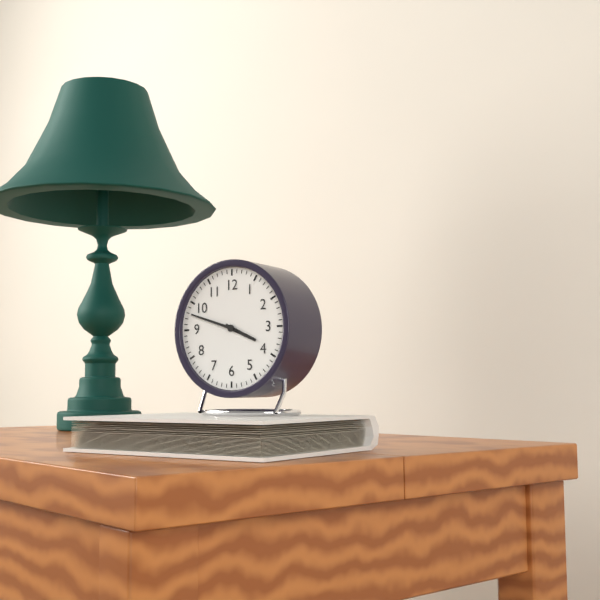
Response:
h=3 m=48
